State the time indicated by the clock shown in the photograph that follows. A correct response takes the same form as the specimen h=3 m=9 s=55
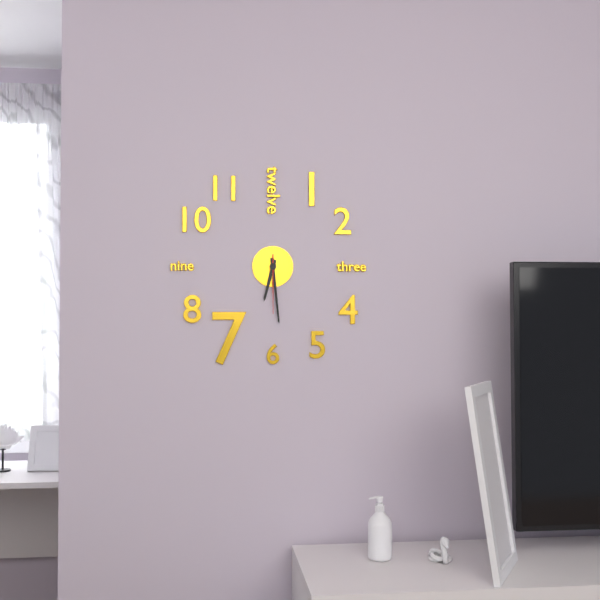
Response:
h=6 m=29 s=30
